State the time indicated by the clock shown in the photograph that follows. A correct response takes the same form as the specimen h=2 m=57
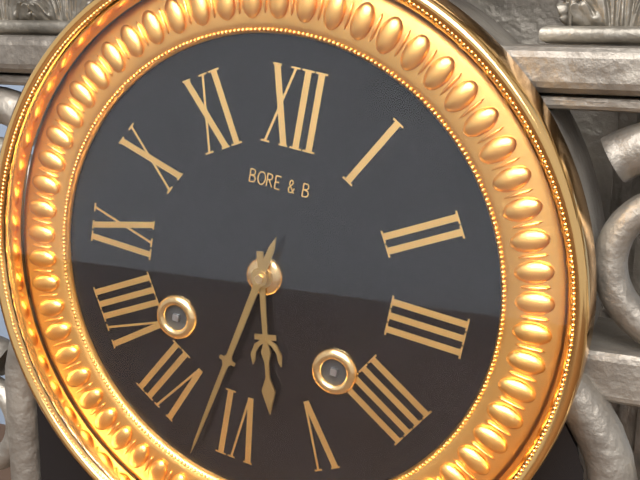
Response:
h=5 m=32
